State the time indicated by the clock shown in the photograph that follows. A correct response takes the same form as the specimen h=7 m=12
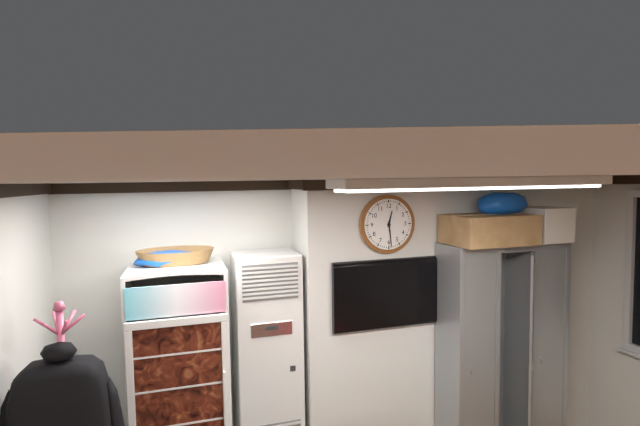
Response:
h=12 m=29
